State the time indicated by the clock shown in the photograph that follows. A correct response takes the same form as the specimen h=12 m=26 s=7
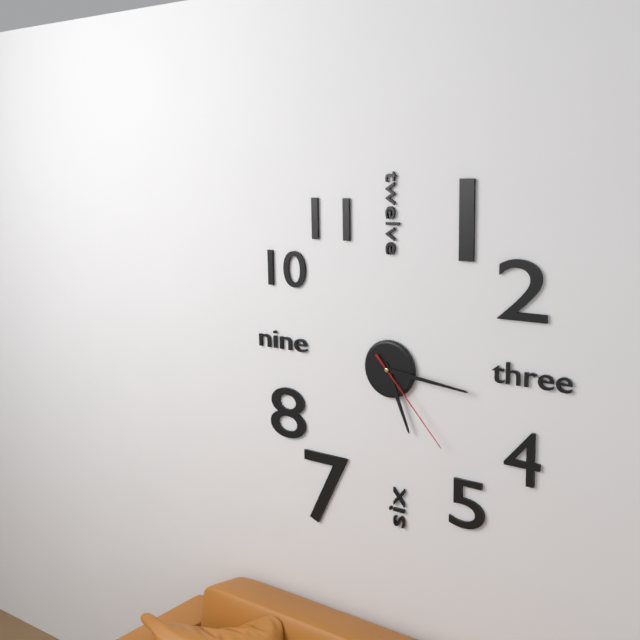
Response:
h=5 m=16 s=23
